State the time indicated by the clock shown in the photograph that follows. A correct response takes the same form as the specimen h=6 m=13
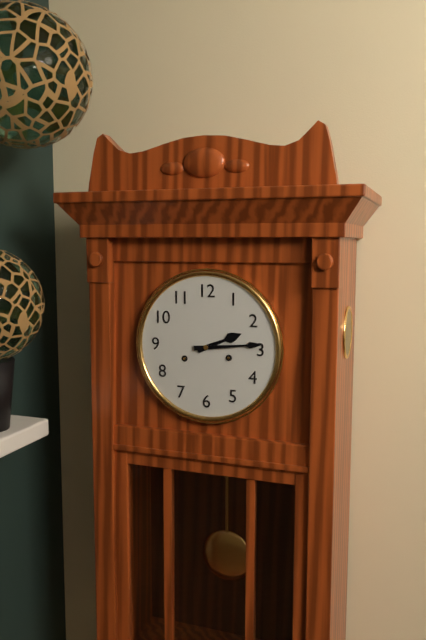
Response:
h=2 m=14
